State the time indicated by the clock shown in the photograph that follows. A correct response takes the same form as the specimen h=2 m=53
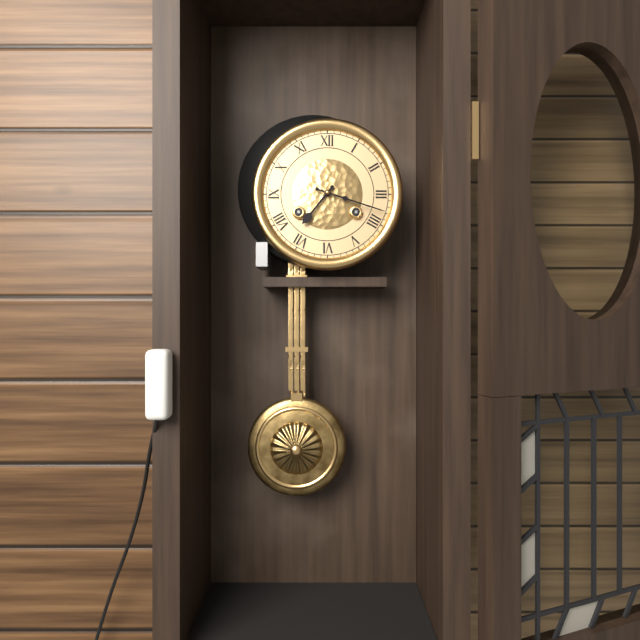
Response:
h=7 m=18
